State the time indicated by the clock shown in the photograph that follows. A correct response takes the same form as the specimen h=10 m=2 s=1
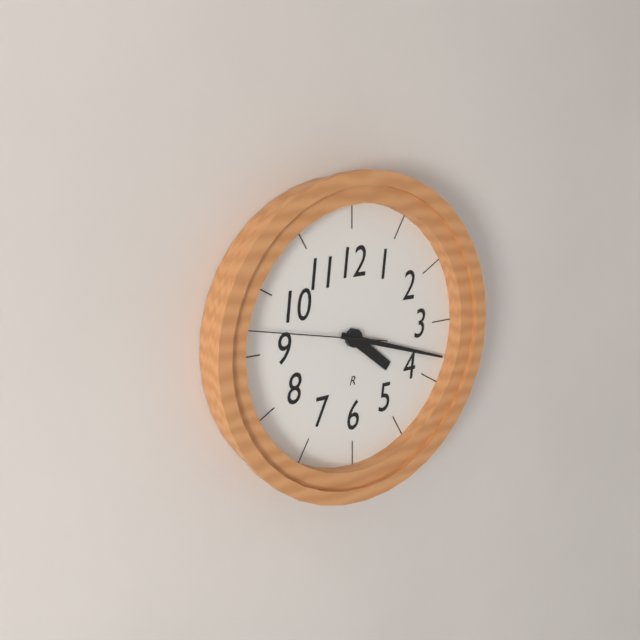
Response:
h=4 m=18 s=47
